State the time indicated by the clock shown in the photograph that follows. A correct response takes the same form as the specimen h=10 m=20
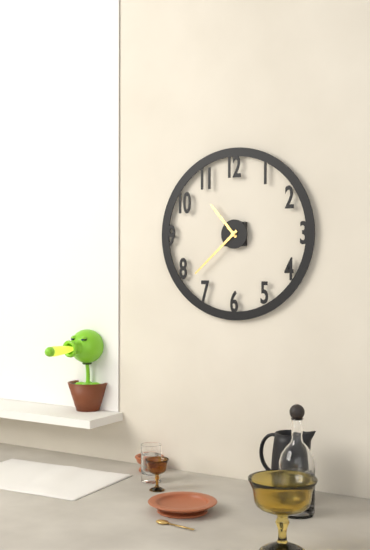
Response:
h=10 m=38
